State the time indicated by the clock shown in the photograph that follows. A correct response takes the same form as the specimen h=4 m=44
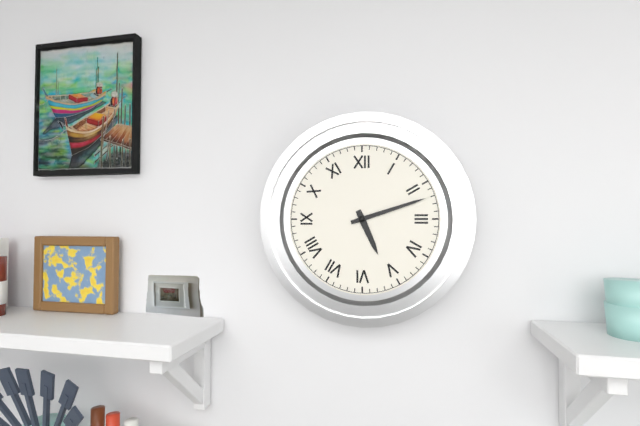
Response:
h=5 m=12
